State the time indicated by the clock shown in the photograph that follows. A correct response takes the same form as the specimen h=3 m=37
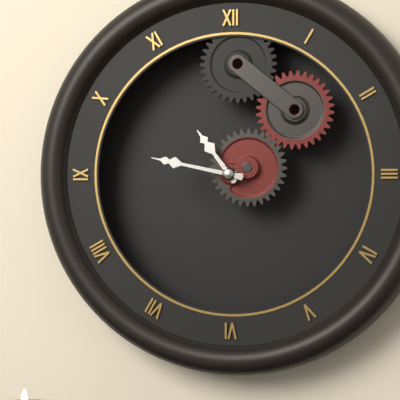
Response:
h=10 m=47
